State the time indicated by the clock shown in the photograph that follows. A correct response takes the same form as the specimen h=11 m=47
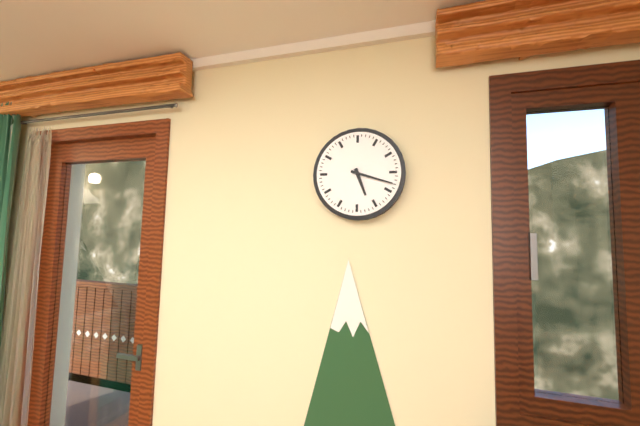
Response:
h=5 m=18
